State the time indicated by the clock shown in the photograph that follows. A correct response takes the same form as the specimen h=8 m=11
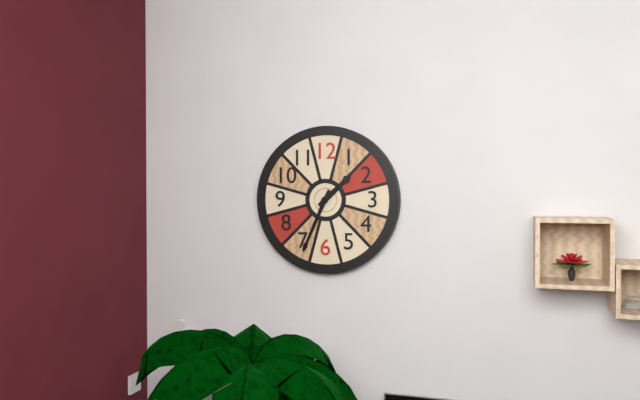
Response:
h=1 m=34
